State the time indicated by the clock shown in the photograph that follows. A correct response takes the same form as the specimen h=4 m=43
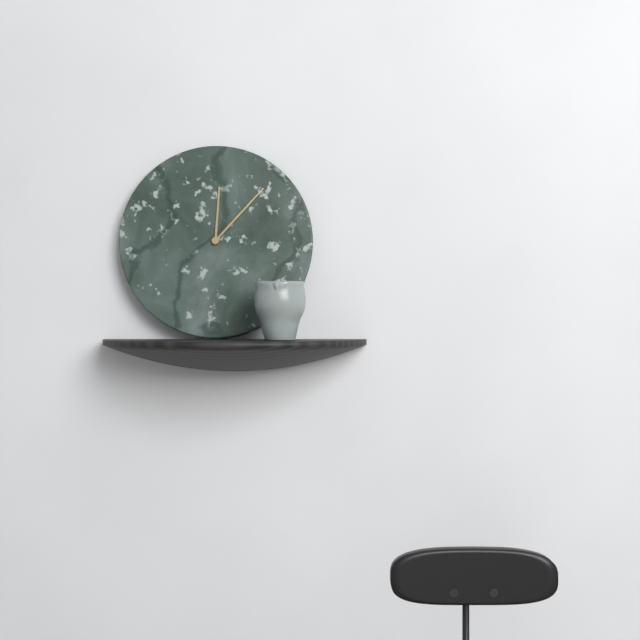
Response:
h=12 m=7
